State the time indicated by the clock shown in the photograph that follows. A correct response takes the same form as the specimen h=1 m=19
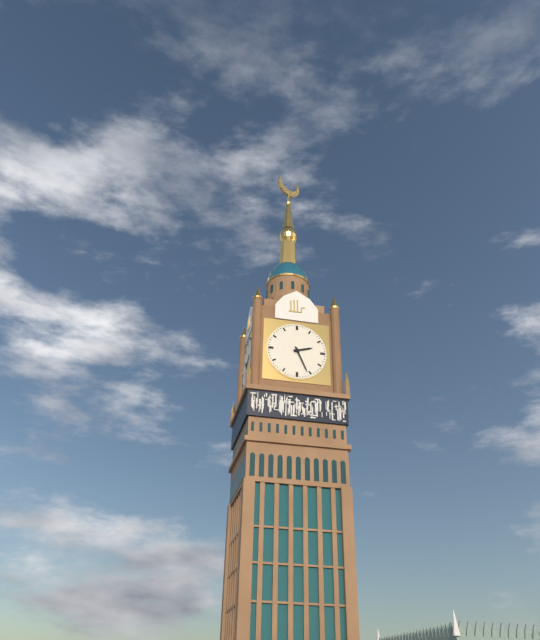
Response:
h=2 m=26
